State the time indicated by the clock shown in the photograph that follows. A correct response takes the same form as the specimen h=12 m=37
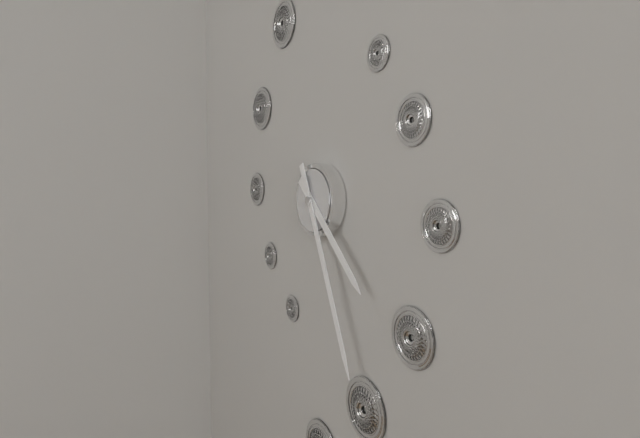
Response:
h=4 m=26
